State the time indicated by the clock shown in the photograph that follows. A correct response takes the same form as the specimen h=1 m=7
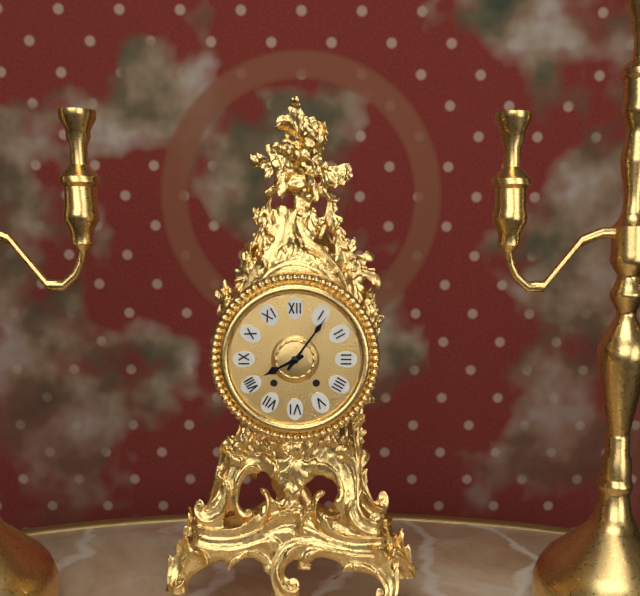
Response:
h=8 m=6
